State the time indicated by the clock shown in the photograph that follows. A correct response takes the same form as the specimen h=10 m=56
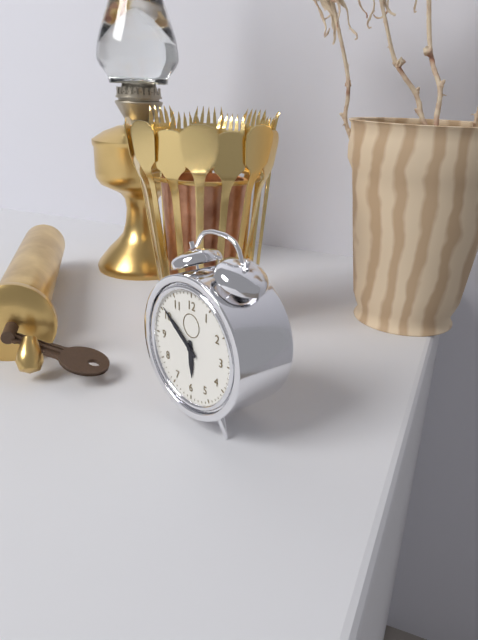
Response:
h=5 m=51
